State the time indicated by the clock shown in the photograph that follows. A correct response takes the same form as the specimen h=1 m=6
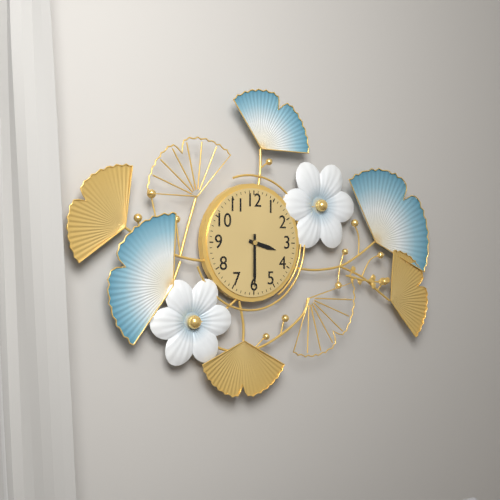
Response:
h=3 m=30
